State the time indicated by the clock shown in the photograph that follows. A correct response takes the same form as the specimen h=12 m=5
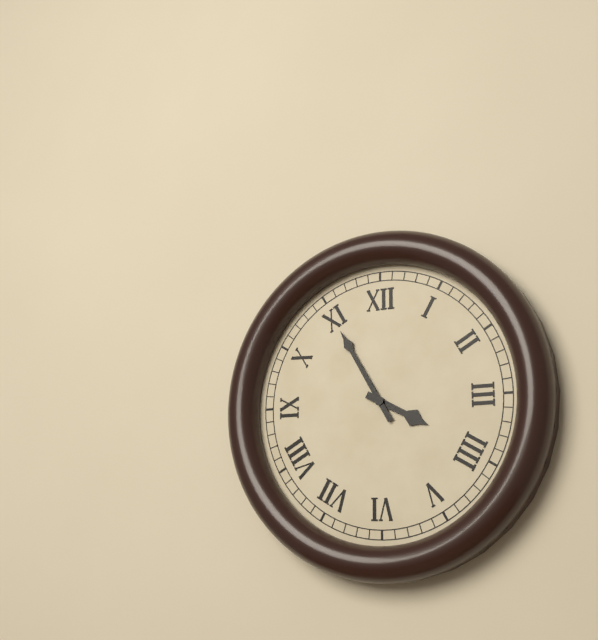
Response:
h=3 m=55
